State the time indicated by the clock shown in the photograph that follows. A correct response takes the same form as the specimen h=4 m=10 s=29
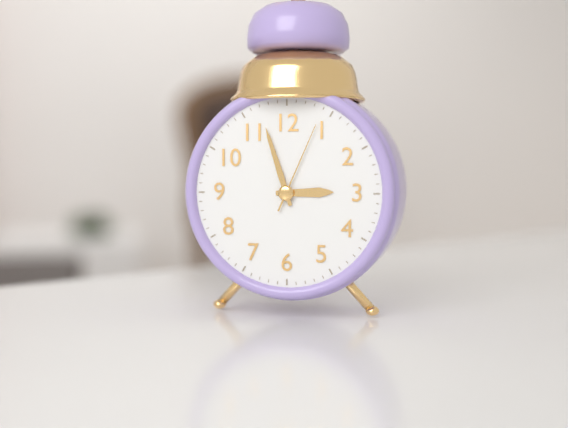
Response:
h=2 m=57 s=4
